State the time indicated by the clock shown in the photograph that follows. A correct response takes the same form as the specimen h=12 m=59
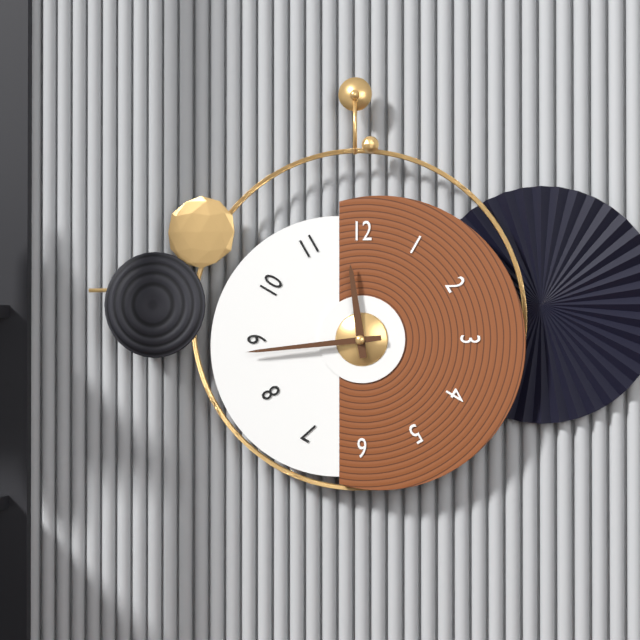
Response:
h=11 m=44
